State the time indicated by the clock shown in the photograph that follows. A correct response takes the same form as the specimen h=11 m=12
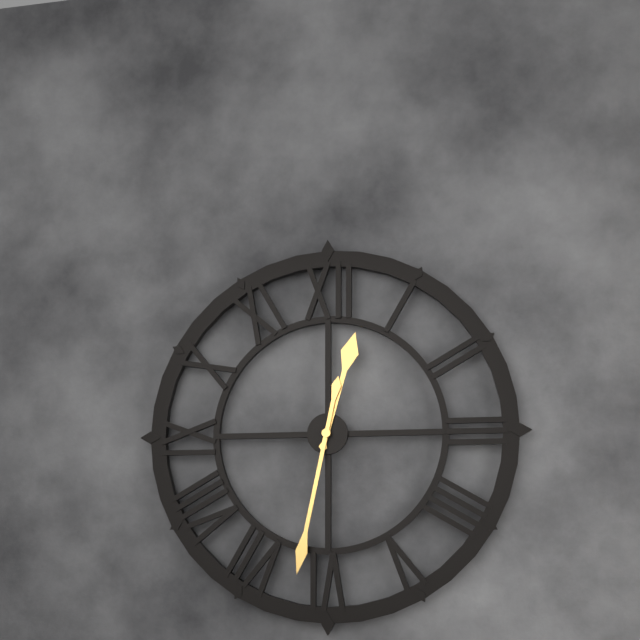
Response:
h=12 m=32
